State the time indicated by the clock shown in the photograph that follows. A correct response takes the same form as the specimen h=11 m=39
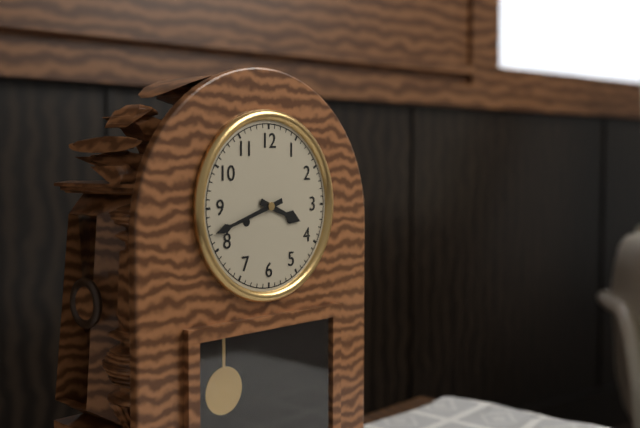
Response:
h=3 m=42
